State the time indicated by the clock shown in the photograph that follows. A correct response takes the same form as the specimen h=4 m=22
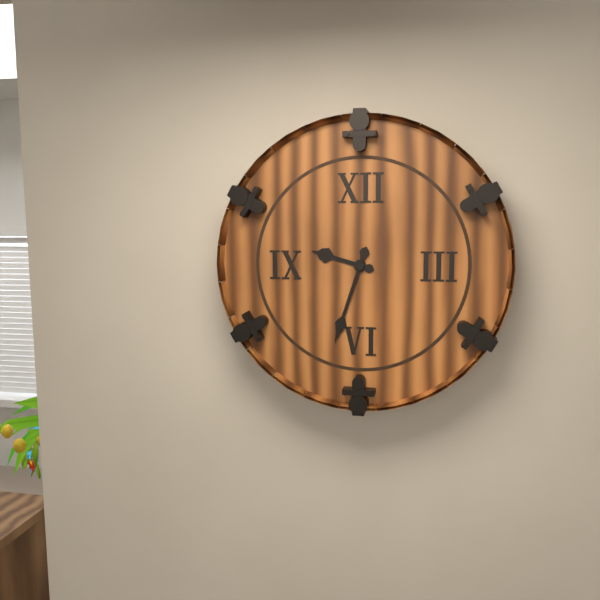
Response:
h=9 m=33
